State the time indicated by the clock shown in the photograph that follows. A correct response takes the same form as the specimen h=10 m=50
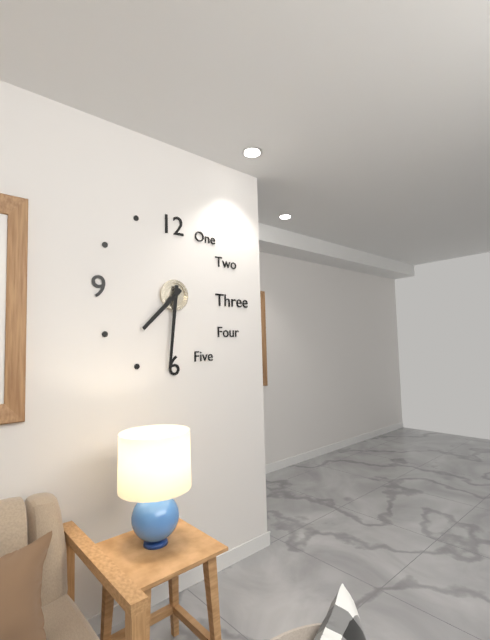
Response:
h=7 m=31
